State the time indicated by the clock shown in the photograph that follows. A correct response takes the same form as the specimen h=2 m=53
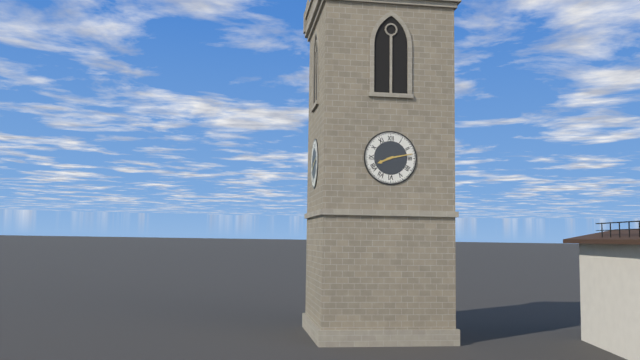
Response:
h=8 m=13
